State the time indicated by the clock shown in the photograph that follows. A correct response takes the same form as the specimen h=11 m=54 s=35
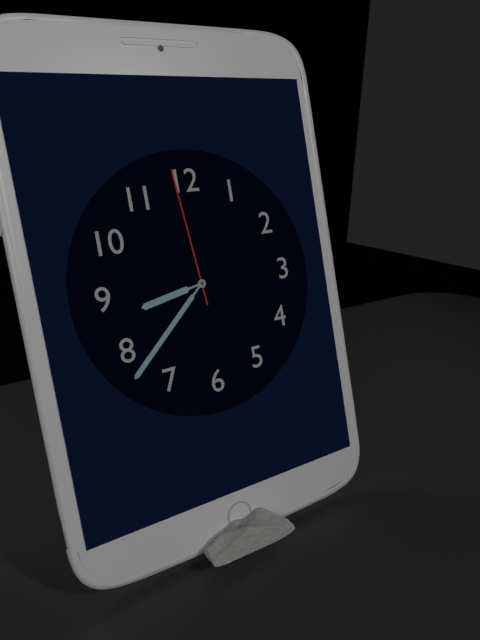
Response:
h=8 m=38 s=59
